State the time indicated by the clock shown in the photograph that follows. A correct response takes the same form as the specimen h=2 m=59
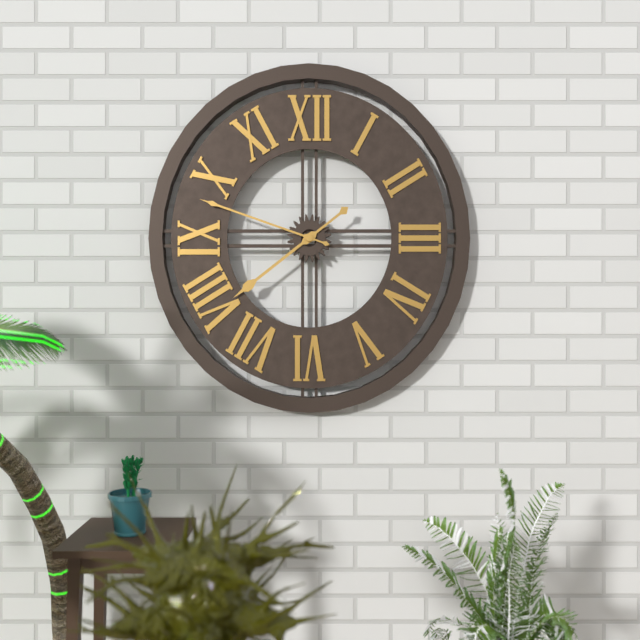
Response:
h=7 m=48
